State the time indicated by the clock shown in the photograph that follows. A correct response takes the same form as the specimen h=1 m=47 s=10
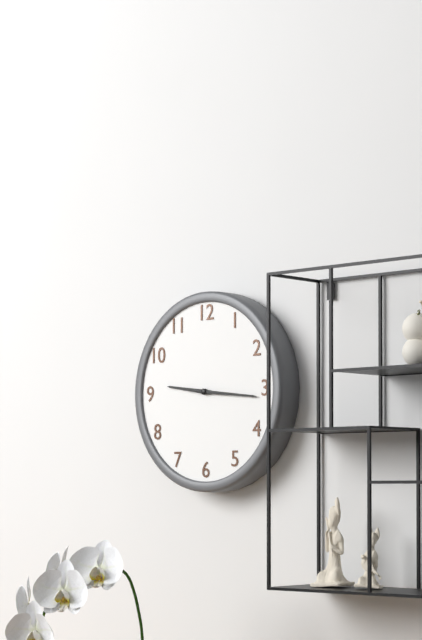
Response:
h=9 m=16 s=16
